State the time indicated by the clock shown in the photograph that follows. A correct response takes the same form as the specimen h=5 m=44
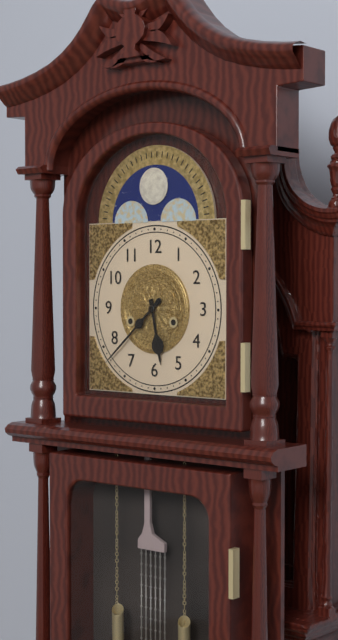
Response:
h=5 m=38
